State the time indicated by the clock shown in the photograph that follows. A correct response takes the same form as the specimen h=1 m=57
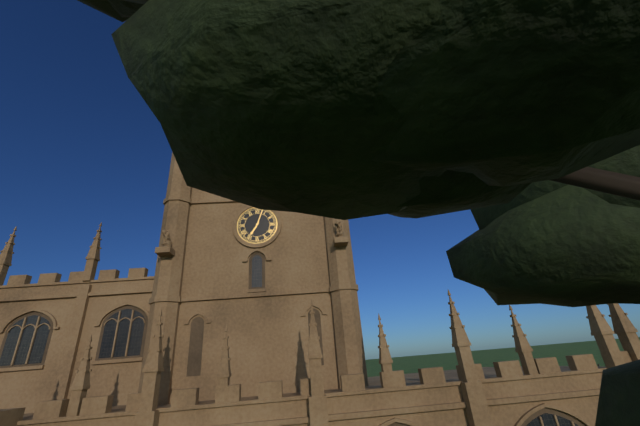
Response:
h=7 m=3
